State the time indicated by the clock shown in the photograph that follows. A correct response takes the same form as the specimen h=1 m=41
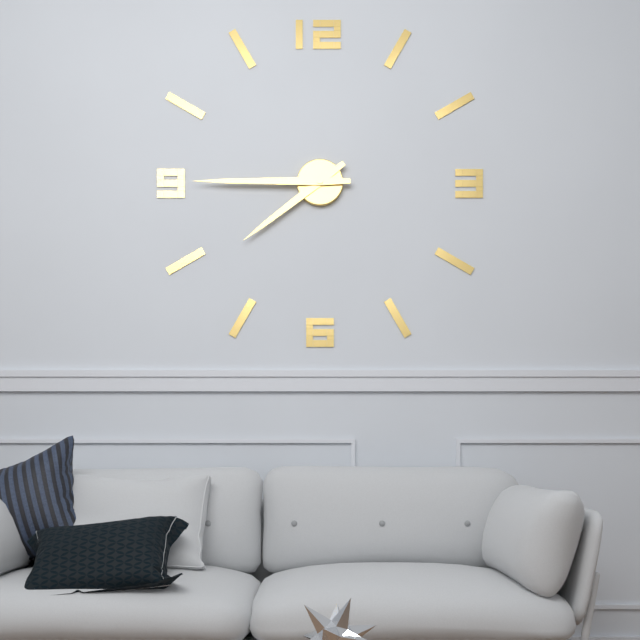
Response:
h=7 m=45
